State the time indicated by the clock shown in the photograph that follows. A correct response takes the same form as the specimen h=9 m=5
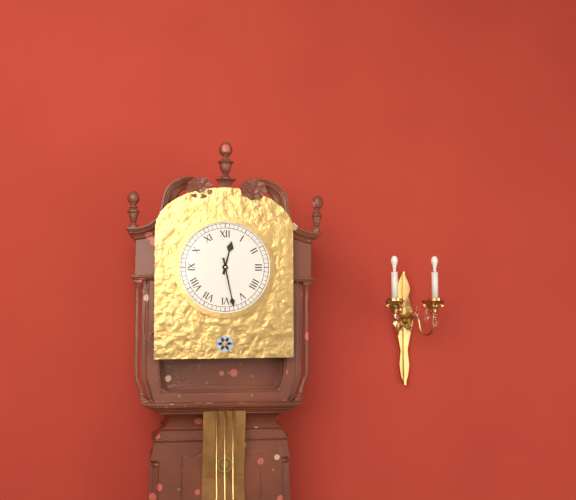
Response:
h=12 m=28
